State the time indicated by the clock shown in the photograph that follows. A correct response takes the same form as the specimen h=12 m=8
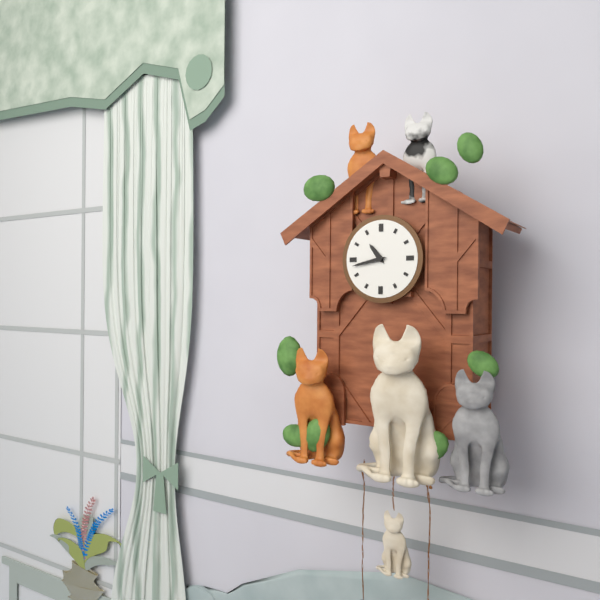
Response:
h=10 m=43
